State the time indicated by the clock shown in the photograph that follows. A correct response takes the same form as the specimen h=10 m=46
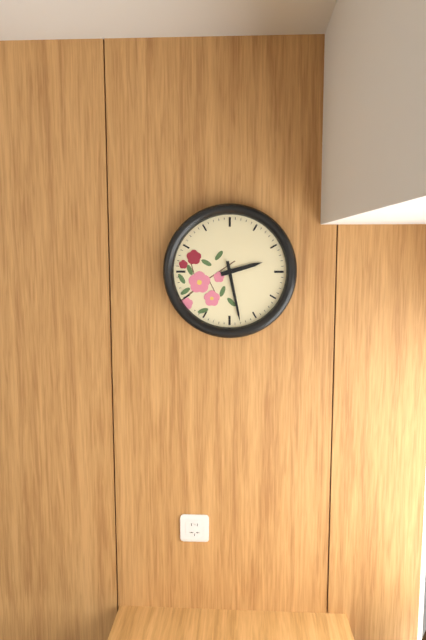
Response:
h=2 m=28
